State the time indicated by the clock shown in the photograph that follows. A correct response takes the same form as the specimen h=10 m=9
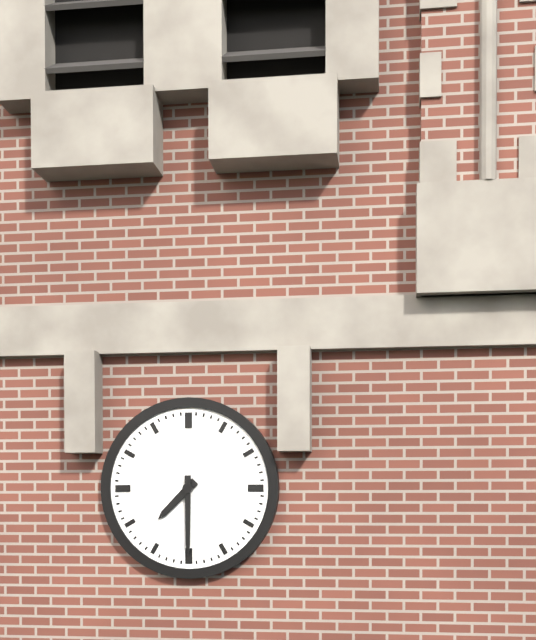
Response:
h=7 m=30
